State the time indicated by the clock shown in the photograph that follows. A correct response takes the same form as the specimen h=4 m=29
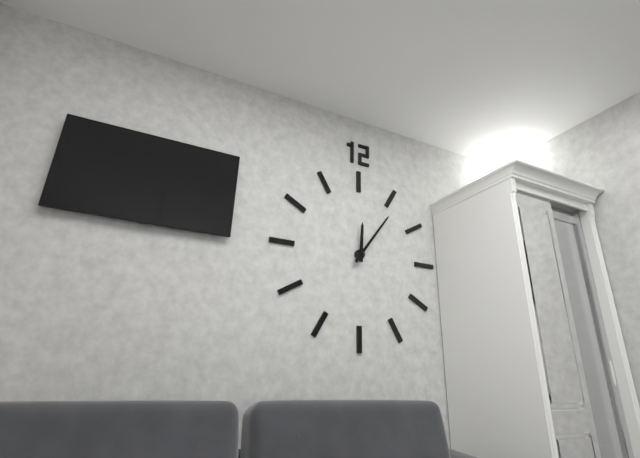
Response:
h=12 m=6
